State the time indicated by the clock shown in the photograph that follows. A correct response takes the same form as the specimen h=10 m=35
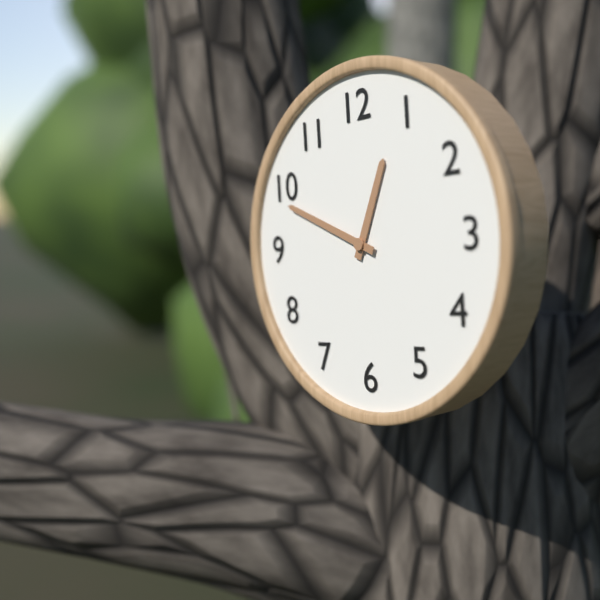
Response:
h=12 m=49
